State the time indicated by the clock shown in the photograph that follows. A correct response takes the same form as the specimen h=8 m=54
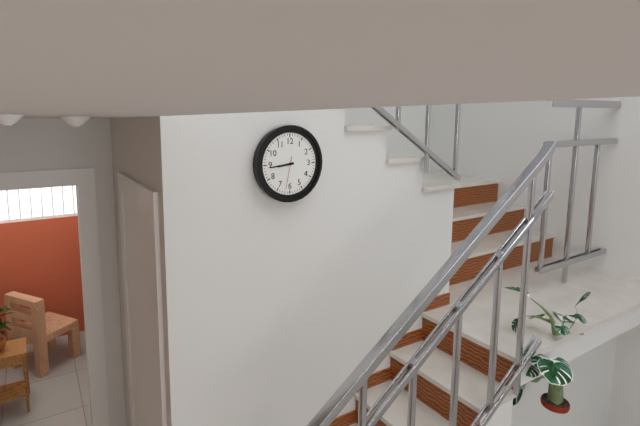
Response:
h=8 m=44
